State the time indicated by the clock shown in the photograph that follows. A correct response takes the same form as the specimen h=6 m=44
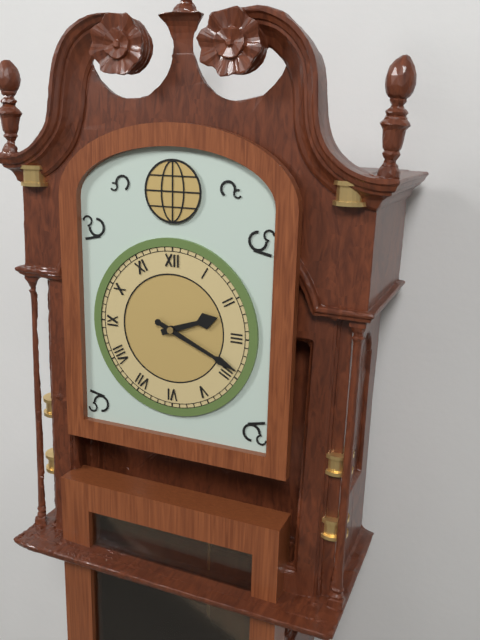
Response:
h=2 m=19
